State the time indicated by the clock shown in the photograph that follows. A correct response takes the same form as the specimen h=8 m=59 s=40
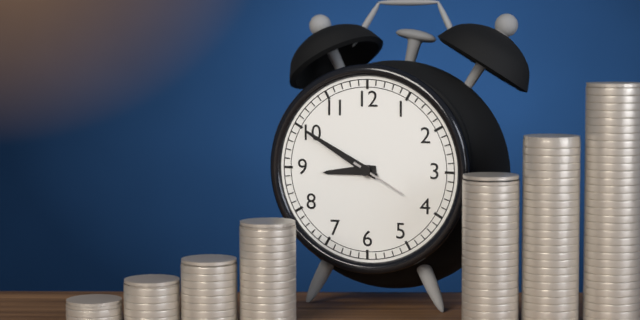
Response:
h=8 m=50 s=20
